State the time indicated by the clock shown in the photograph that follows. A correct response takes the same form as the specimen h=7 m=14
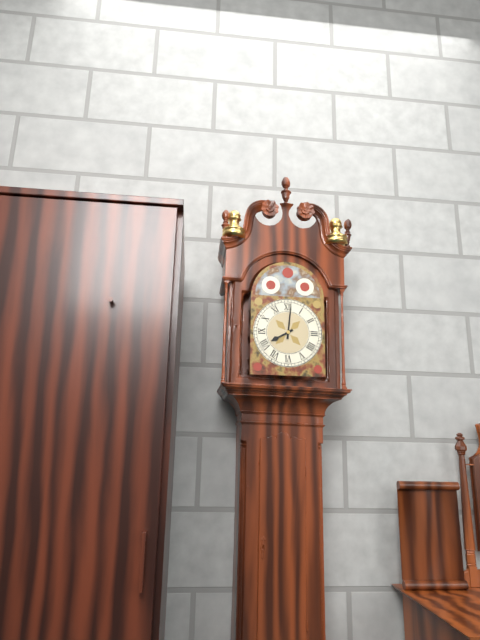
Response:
h=8 m=1
